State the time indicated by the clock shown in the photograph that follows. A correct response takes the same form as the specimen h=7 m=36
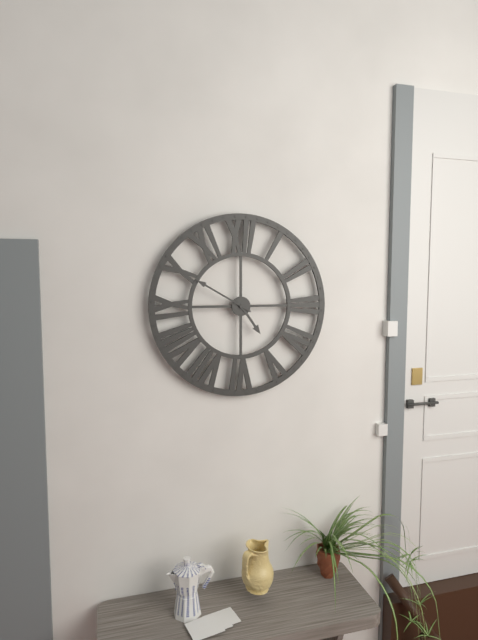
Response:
h=4 m=50
